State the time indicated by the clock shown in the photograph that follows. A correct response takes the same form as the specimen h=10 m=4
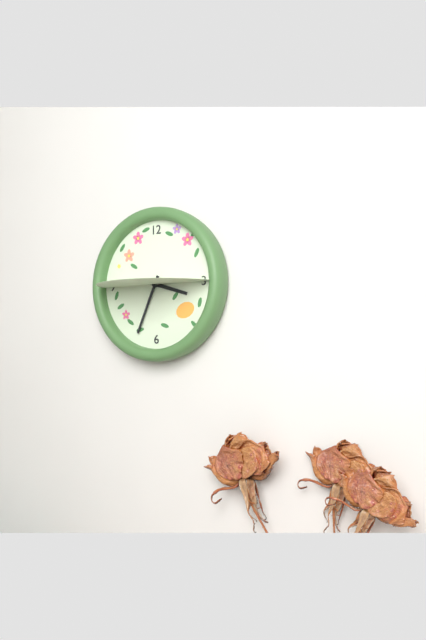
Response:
h=3 m=34
